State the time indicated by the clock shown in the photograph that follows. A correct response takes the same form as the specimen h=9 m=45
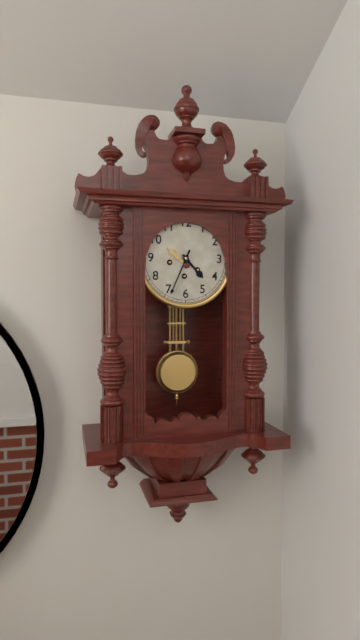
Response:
h=4 m=34
